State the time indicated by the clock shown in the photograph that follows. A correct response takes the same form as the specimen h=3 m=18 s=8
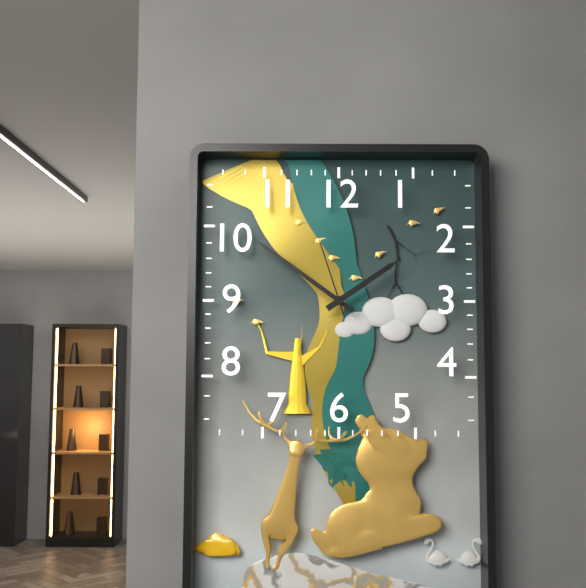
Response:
h=1 m=51 s=57
